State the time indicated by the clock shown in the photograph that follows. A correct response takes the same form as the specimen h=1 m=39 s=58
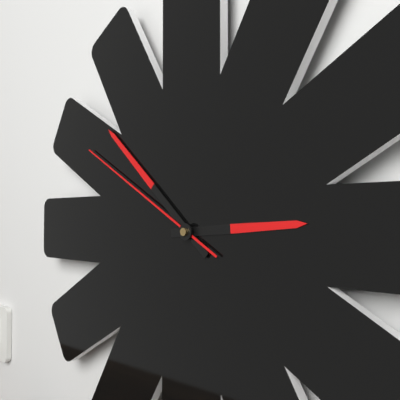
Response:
h=2 m=52 s=50
